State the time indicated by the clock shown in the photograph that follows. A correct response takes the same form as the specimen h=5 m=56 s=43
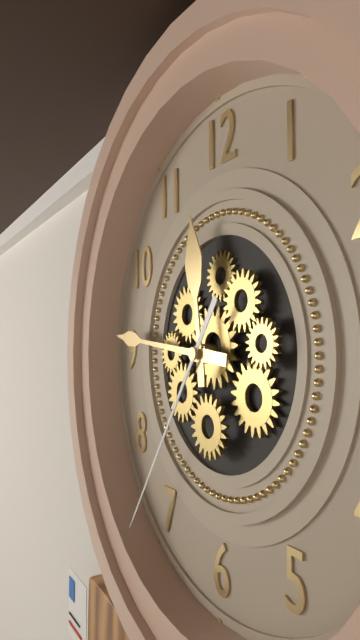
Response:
h=11 m=46 s=36
